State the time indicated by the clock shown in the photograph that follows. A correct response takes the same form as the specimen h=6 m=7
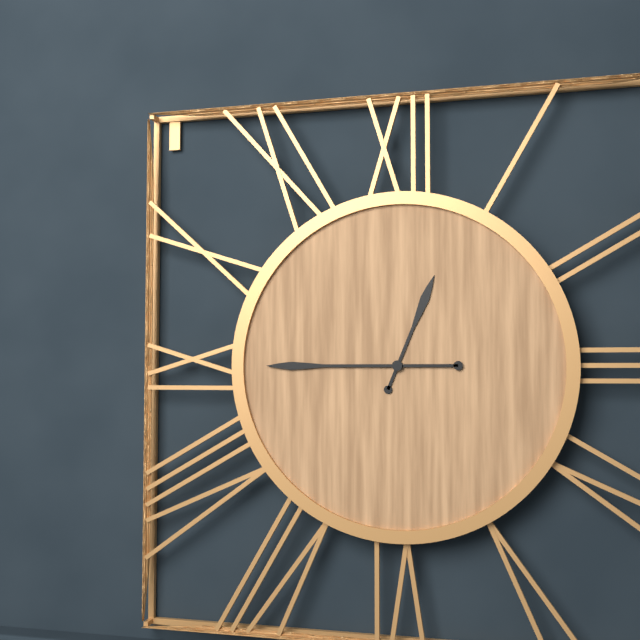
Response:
h=12 m=45
